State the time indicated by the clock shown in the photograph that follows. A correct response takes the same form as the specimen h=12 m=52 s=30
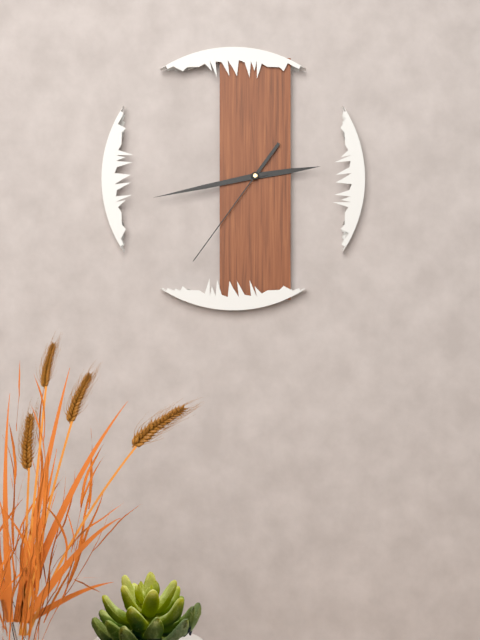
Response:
h=2 m=43 s=36
